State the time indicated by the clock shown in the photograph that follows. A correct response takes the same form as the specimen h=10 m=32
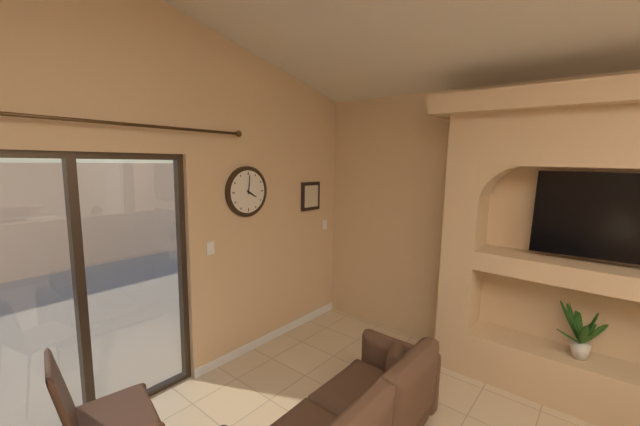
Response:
h=4 m=1
